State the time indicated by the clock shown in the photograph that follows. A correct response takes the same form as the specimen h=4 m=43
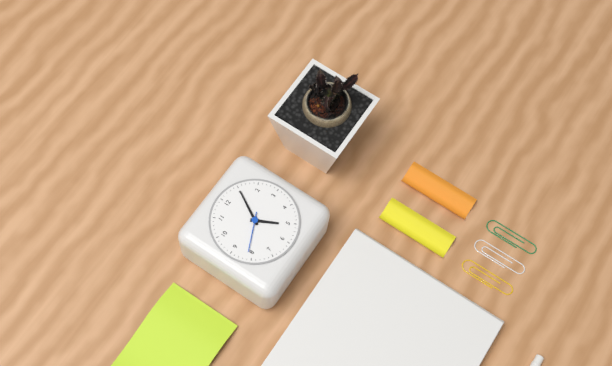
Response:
h=5 m=5
